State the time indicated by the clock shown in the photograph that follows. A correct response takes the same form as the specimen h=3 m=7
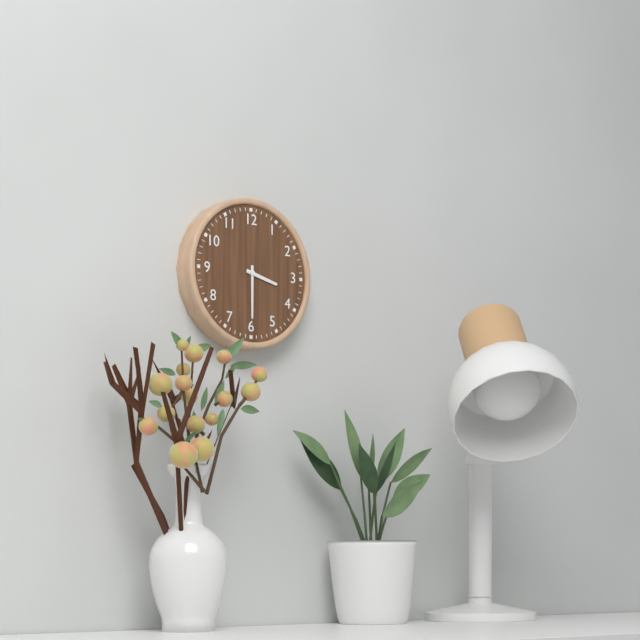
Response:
h=3 m=30
